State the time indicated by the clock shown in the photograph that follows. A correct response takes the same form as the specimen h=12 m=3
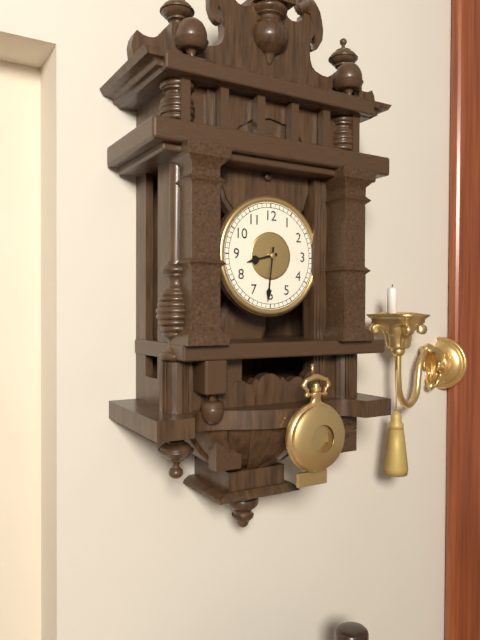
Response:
h=8 m=31
